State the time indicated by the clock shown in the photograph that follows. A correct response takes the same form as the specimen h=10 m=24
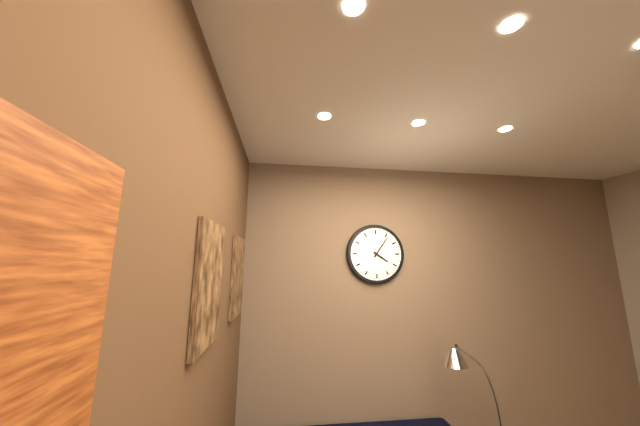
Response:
h=4 m=6
